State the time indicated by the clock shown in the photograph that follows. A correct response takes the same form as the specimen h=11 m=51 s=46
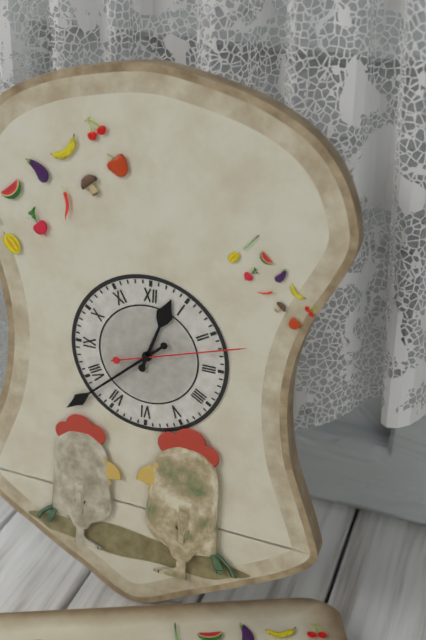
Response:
h=12 m=38 s=12
